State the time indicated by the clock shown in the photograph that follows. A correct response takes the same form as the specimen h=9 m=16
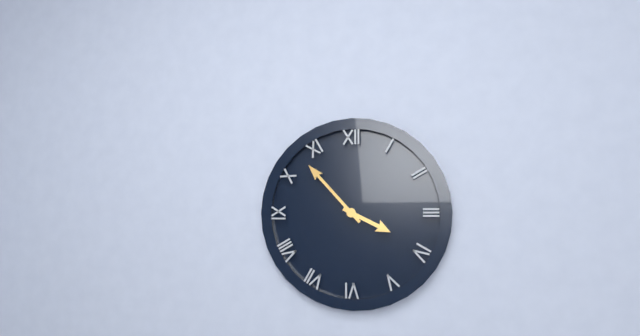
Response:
h=3 m=53
